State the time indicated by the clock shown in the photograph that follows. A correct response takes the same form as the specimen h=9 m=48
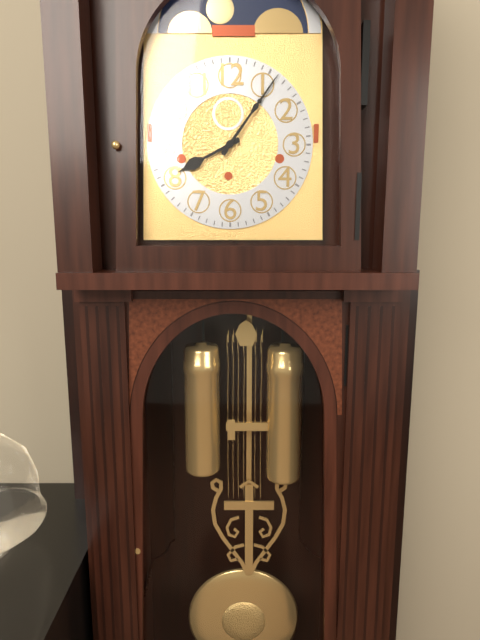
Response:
h=8 m=6
